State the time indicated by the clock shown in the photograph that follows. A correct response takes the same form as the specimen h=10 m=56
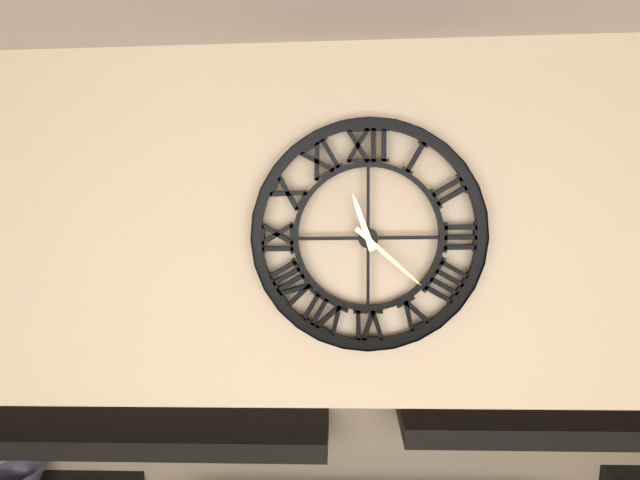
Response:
h=11 m=22
